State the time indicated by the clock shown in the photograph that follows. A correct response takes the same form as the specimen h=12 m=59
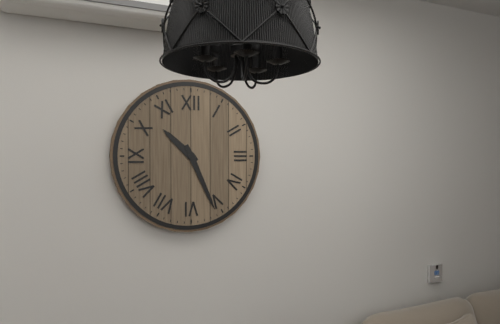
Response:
h=10 m=26
